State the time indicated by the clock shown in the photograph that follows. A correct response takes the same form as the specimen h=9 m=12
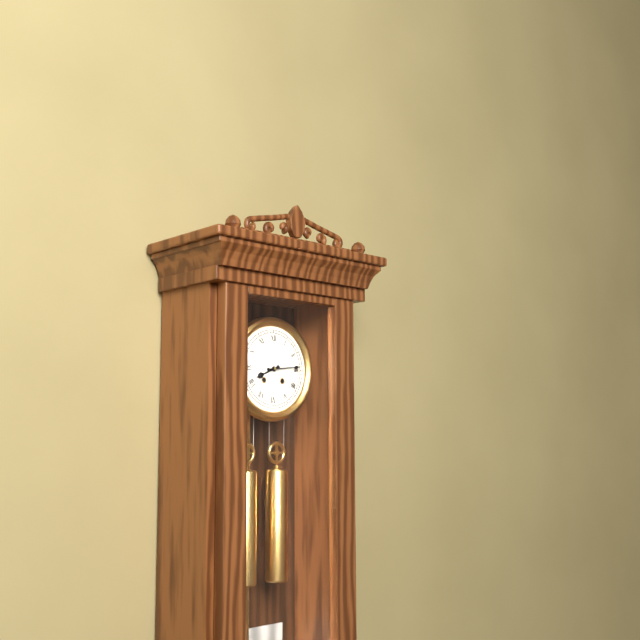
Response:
h=8 m=14
